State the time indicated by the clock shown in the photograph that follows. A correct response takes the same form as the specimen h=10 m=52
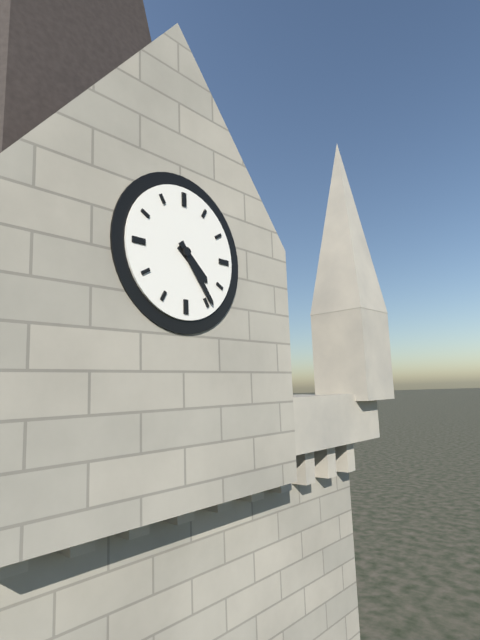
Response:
h=4 m=24
